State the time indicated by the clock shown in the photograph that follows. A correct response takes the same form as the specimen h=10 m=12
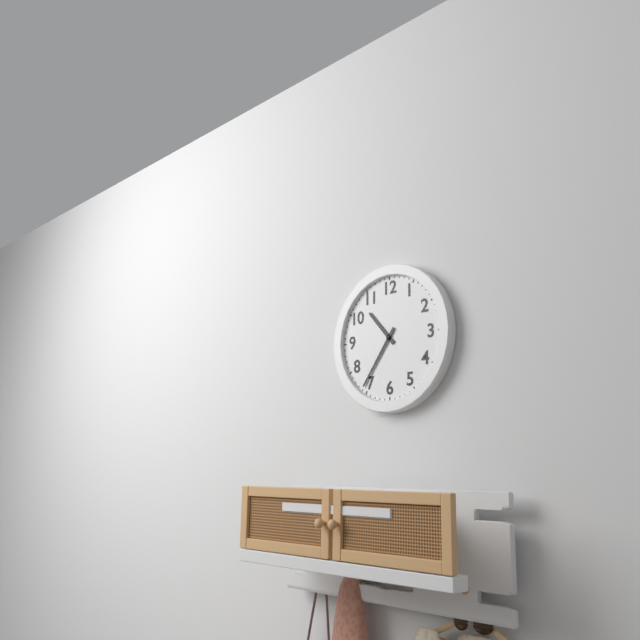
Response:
h=10 m=36
